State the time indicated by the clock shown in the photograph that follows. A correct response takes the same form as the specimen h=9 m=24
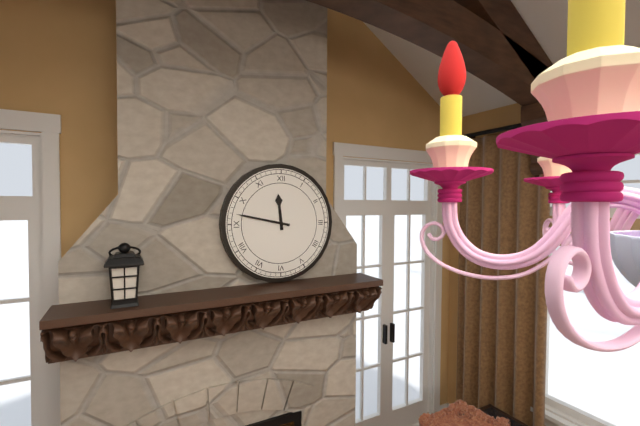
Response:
h=11 m=47
